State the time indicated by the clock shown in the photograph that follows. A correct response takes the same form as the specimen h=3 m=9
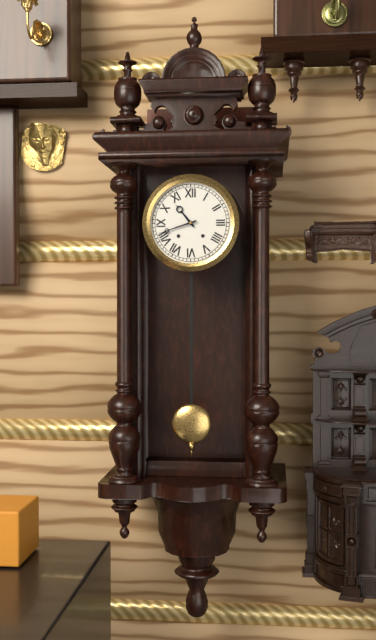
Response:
h=10 m=42
